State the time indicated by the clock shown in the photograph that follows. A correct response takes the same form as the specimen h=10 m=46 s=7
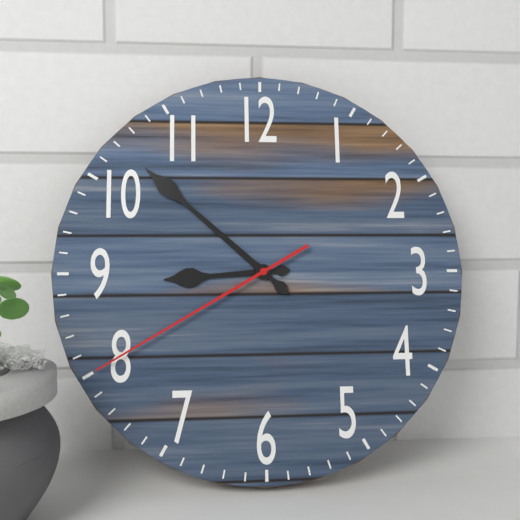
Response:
h=8 m=52 s=40
